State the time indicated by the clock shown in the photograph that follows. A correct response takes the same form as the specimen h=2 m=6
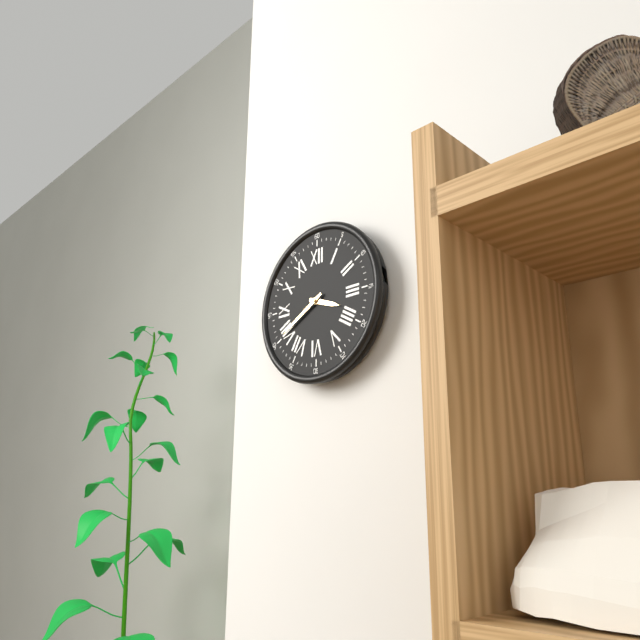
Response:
h=3 m=40
